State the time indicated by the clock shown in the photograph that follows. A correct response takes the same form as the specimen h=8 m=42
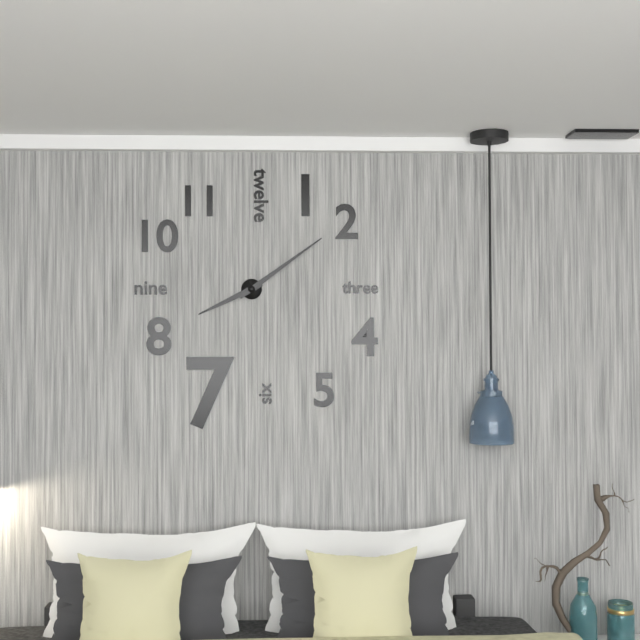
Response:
h=8 m=9
